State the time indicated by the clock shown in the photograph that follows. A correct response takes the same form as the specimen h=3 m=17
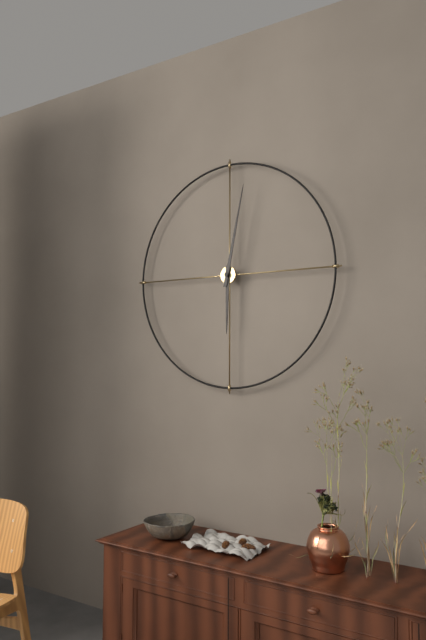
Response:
h=6 m=2
